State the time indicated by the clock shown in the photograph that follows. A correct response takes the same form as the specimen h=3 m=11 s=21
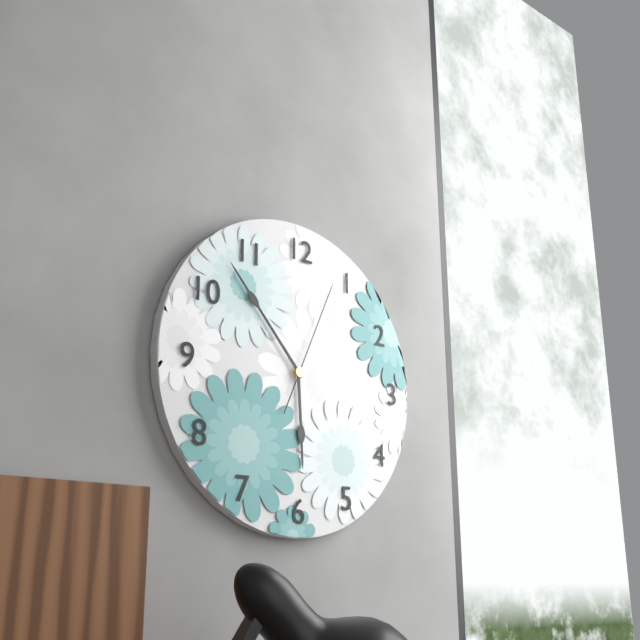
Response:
h=5 m=53 s=4
